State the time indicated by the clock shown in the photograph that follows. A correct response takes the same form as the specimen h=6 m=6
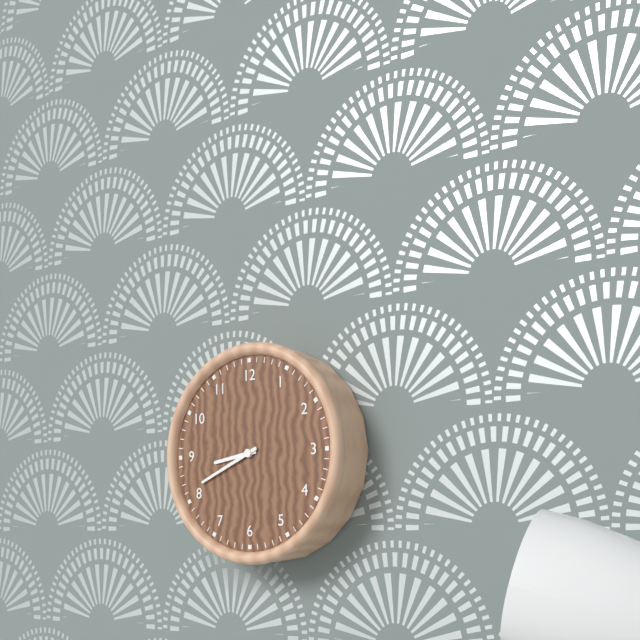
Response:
h=8 m=41
